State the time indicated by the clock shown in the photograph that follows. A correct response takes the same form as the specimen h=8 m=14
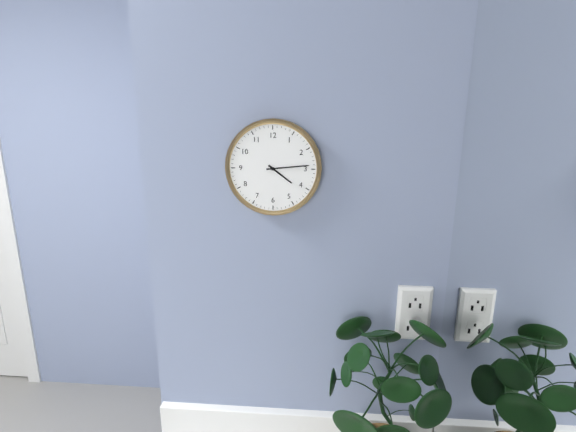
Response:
h=4 m=14
